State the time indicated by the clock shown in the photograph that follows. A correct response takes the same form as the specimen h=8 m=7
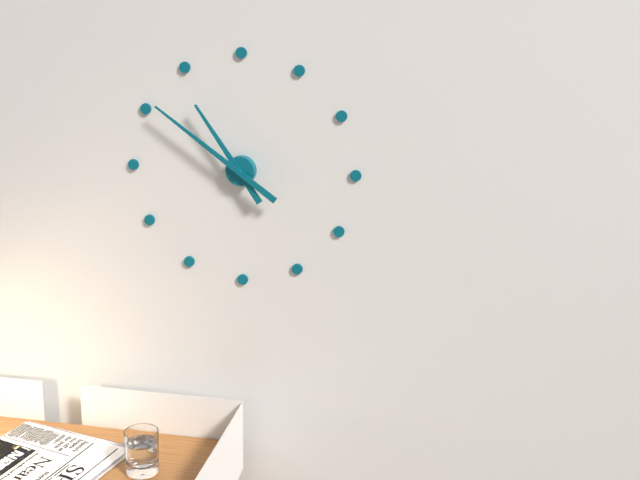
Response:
h=10 m=51
